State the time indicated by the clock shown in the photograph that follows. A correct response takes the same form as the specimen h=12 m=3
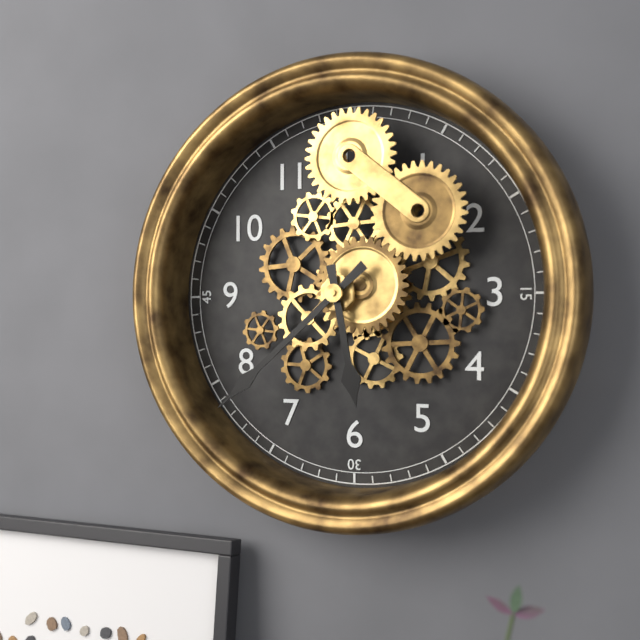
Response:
h=5 m=38
